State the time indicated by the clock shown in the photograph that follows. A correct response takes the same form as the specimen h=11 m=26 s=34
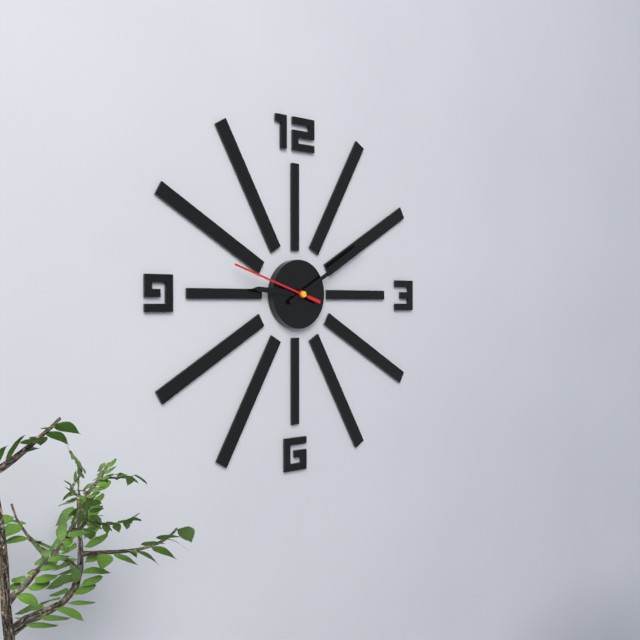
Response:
h=9 m=10 s=48
